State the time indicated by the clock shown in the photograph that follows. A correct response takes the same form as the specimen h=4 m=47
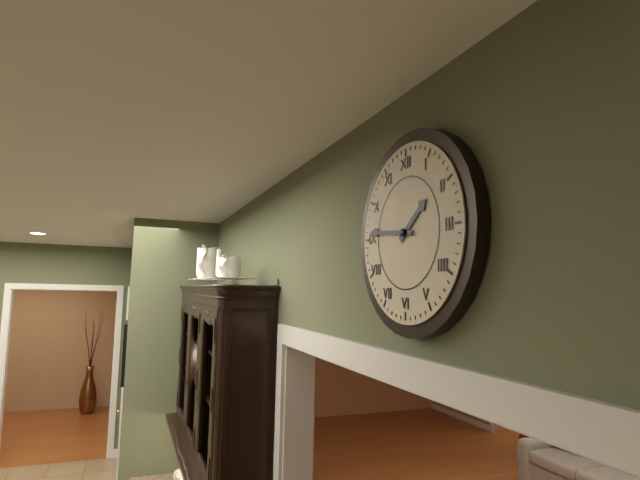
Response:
h=1 m=46
